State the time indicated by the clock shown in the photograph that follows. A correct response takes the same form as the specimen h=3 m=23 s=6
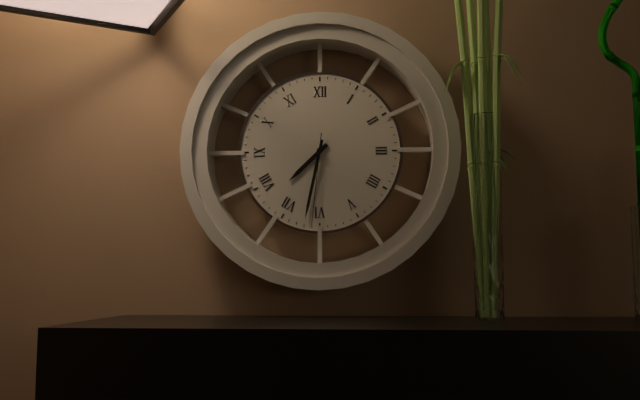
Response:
h=7 m=32 s=31
